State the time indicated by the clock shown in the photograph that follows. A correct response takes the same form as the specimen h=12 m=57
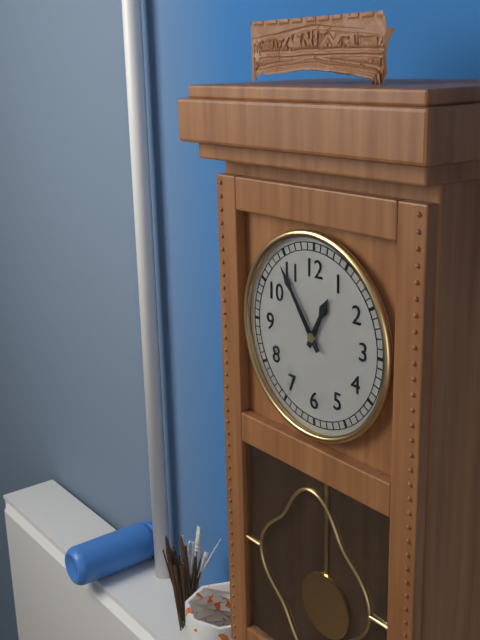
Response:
h=12 m=54
